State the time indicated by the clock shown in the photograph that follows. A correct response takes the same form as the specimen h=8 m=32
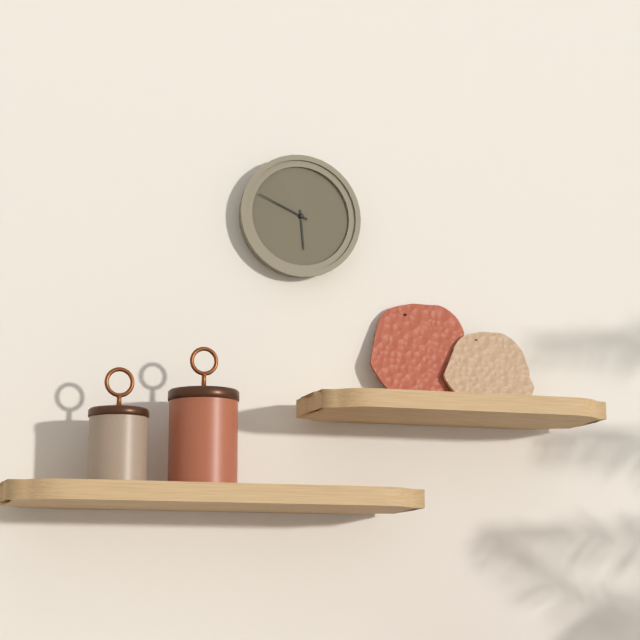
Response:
h=5 m=49
